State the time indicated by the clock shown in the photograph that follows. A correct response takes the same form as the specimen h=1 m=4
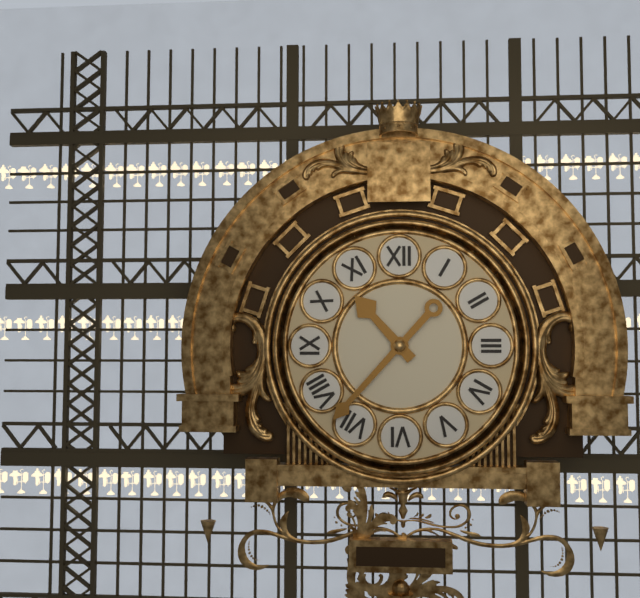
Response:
h=10 m=37
